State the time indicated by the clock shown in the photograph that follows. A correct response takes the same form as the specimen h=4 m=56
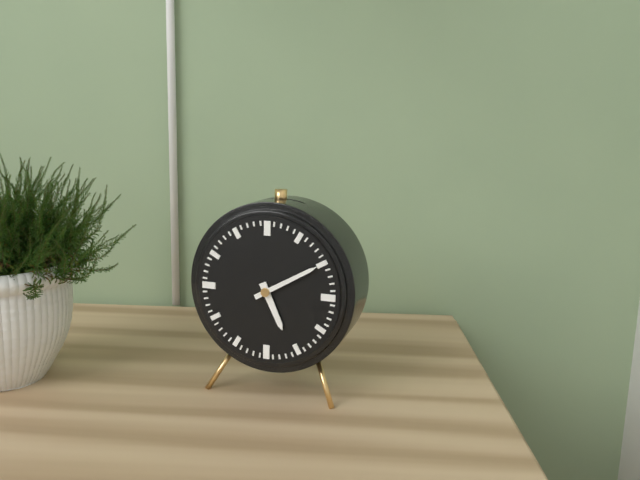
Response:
h=5 m=10
